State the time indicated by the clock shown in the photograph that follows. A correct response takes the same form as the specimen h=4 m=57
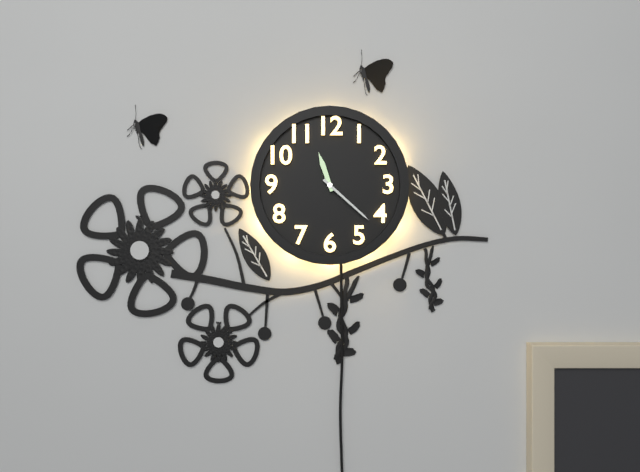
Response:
h=11 m=22
